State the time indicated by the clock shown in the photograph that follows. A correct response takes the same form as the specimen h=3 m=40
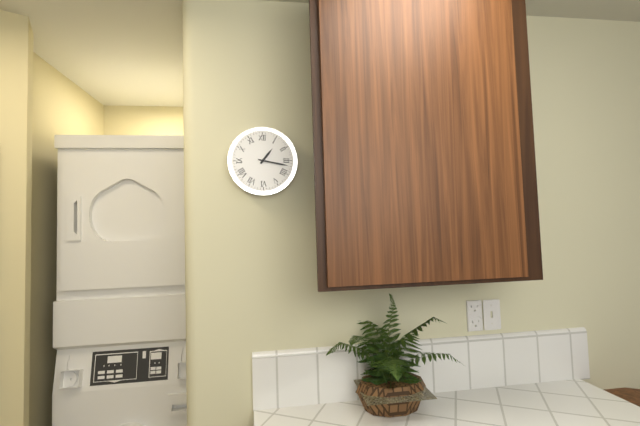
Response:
h=1 m=17
